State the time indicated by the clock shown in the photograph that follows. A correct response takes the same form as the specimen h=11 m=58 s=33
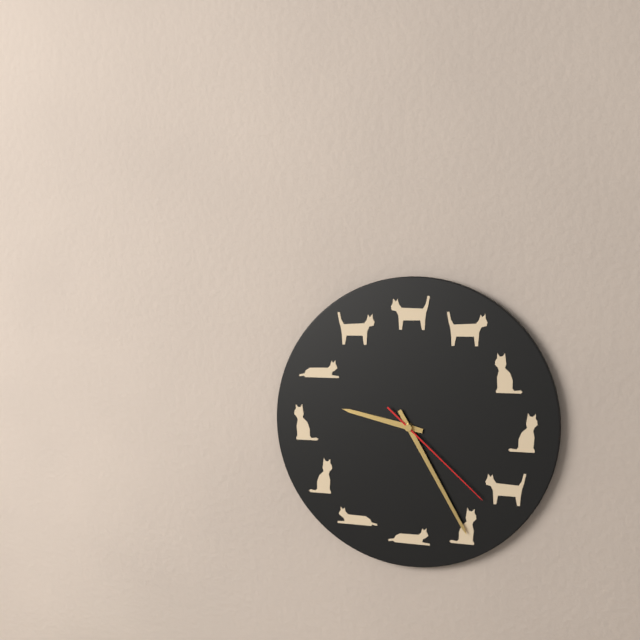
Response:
h=9 m=25 s=22
